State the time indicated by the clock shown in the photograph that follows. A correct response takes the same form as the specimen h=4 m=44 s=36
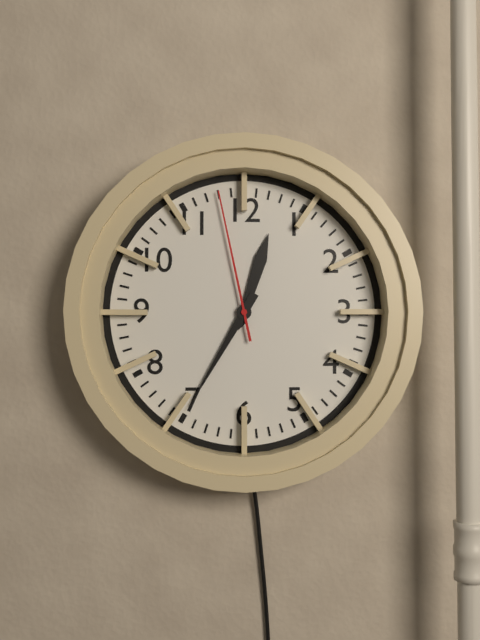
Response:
h=12 m=35 s=58
